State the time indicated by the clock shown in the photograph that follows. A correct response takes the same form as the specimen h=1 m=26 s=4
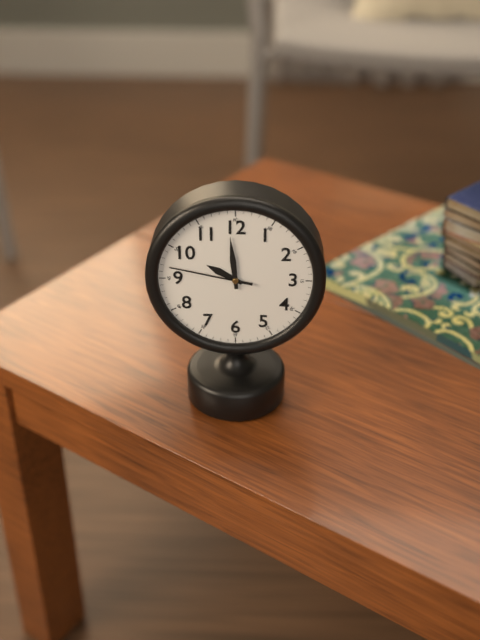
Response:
h=9 m=59 s=47
